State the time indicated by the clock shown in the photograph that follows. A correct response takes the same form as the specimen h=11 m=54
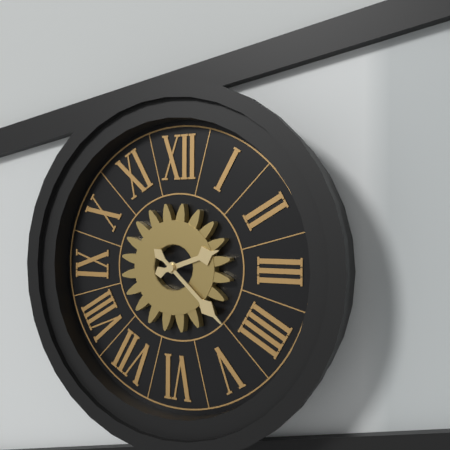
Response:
h=2 m=22
